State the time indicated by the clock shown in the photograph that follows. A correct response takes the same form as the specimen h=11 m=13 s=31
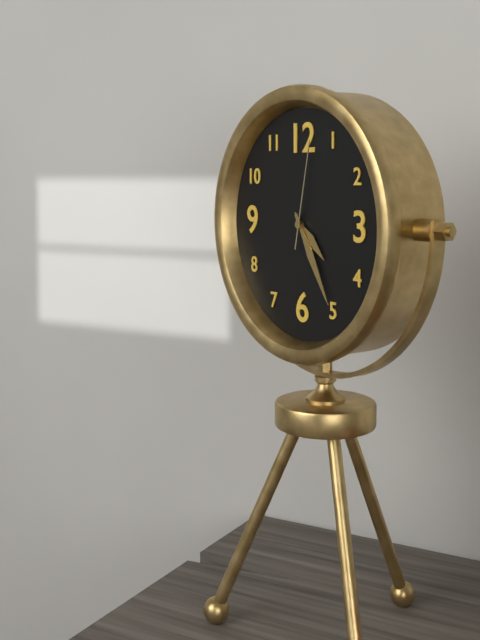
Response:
h=4 m=25 s=2
